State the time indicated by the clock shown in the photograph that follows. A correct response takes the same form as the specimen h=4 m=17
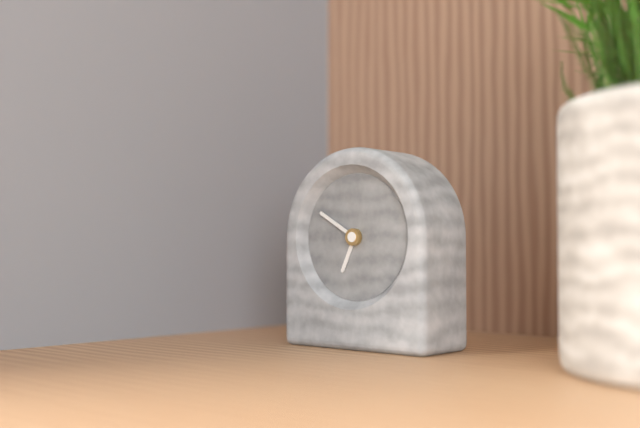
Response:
h=6 m=50
